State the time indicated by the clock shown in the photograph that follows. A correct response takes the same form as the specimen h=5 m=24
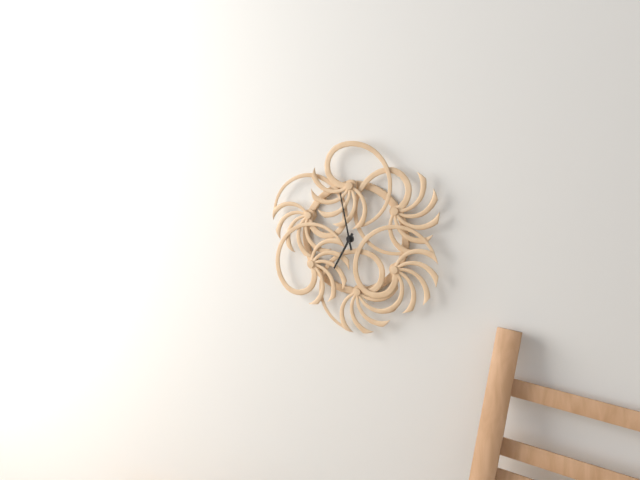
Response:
h=6 m=58
